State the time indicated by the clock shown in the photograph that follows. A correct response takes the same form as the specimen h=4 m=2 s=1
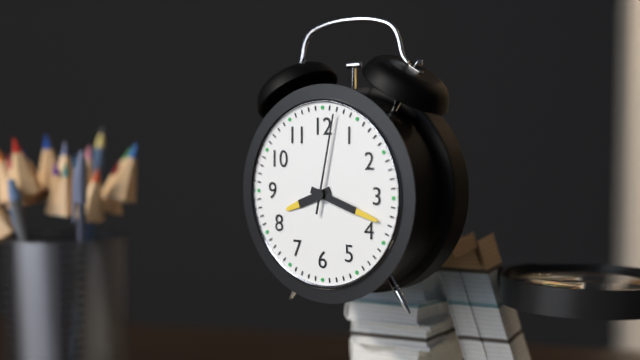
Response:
h=8 m=18 s=2
